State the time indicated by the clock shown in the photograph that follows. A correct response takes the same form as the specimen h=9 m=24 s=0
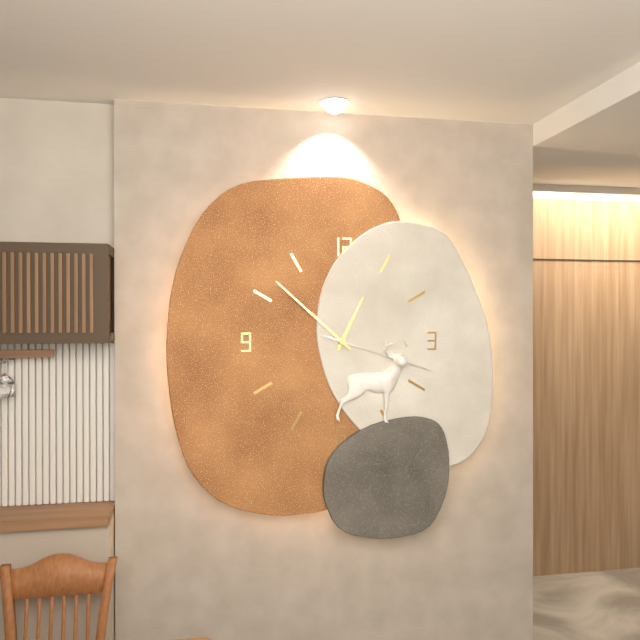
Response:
h=12 m=52 s=18
